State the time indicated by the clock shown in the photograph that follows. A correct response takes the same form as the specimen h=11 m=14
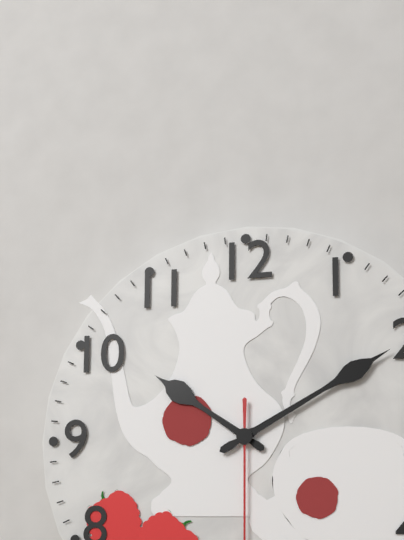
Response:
h=10 m=10
